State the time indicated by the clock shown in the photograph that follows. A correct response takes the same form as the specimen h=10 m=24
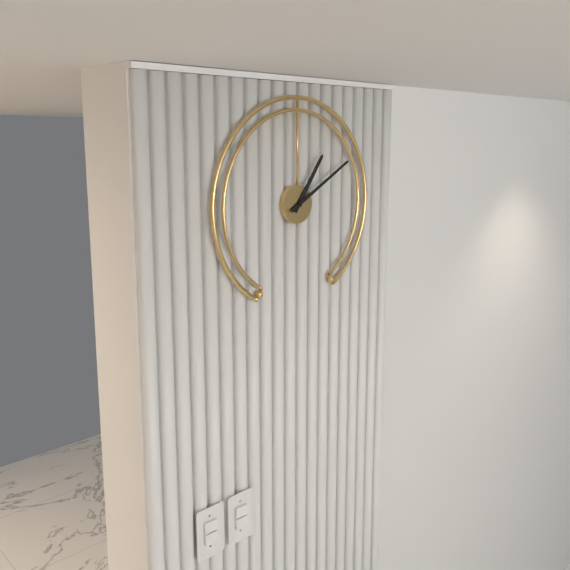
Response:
h=1 m=10
